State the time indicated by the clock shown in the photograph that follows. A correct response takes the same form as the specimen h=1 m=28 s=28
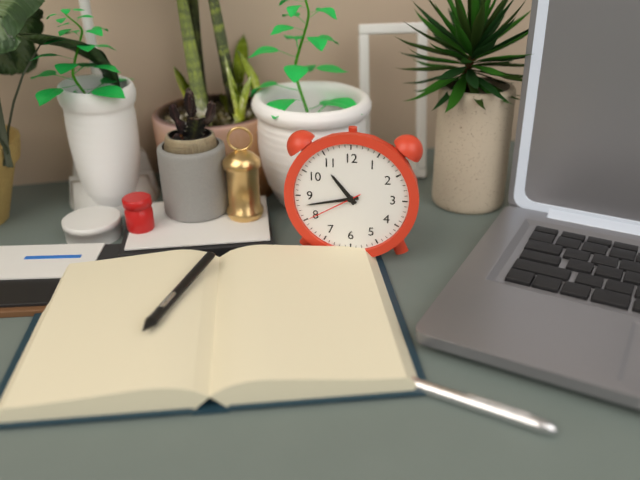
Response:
h=10 m=43 s=40
